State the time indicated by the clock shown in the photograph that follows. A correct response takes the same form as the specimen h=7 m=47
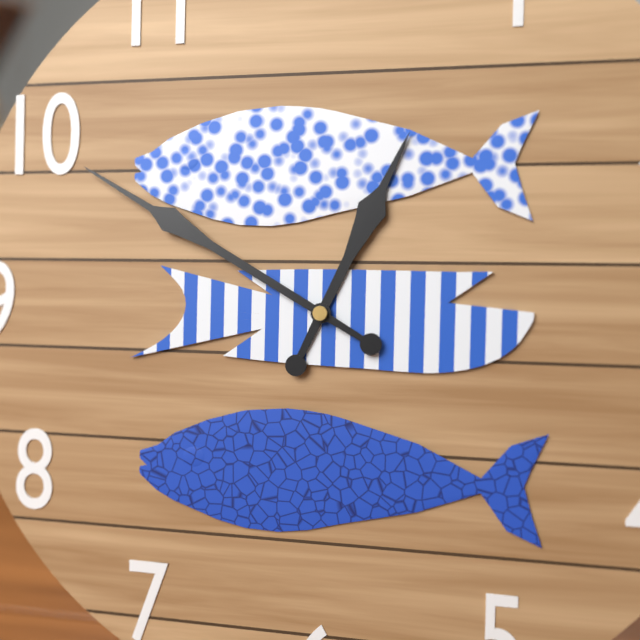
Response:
h=12 m=50
